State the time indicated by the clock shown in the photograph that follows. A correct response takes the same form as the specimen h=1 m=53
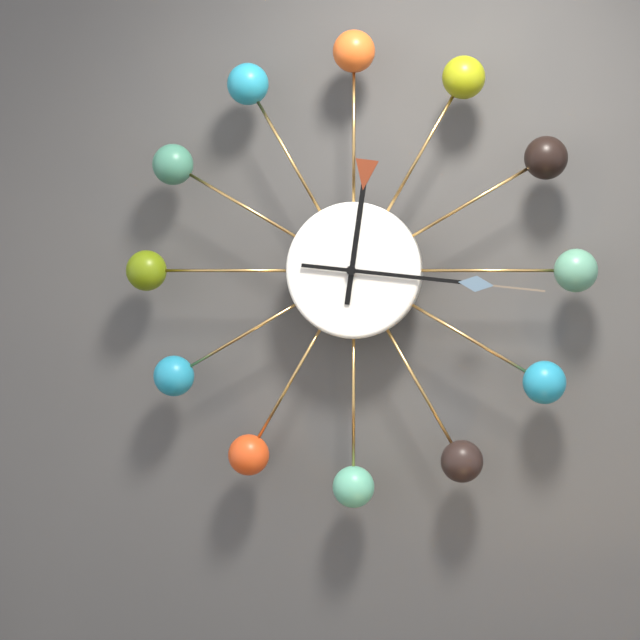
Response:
h=12 m=16
